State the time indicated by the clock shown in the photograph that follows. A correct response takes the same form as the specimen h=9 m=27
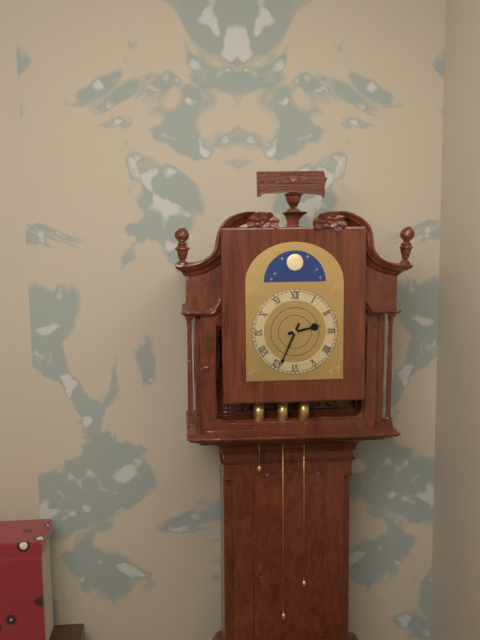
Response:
h=2 m=34
